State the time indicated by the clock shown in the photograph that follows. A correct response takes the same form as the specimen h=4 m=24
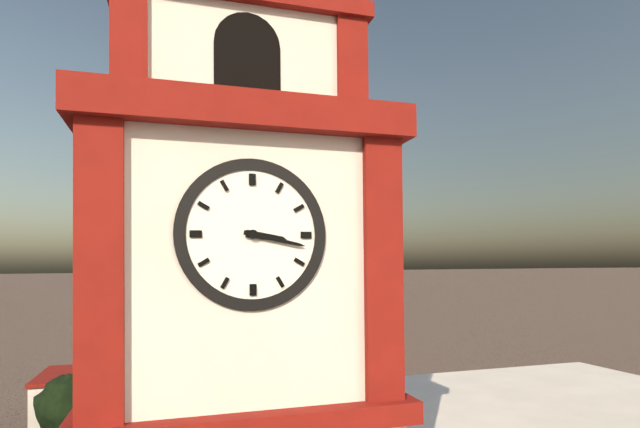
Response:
h=3 m=17
